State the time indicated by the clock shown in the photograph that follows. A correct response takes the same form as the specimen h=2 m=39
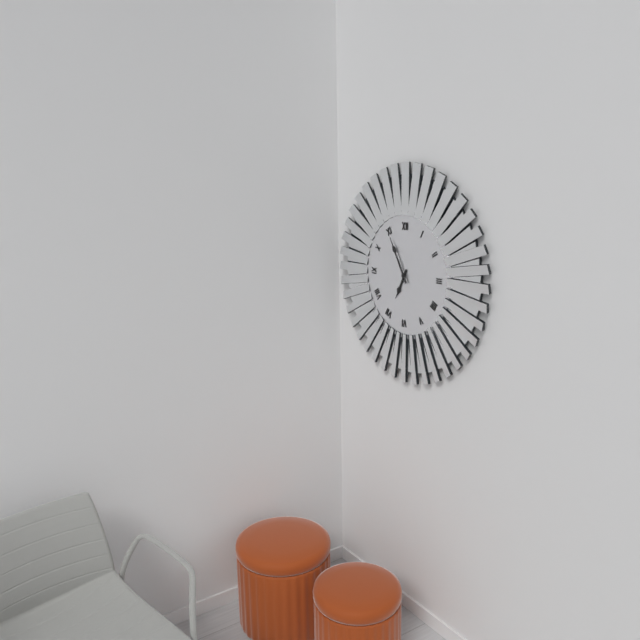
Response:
h=6 m=55
